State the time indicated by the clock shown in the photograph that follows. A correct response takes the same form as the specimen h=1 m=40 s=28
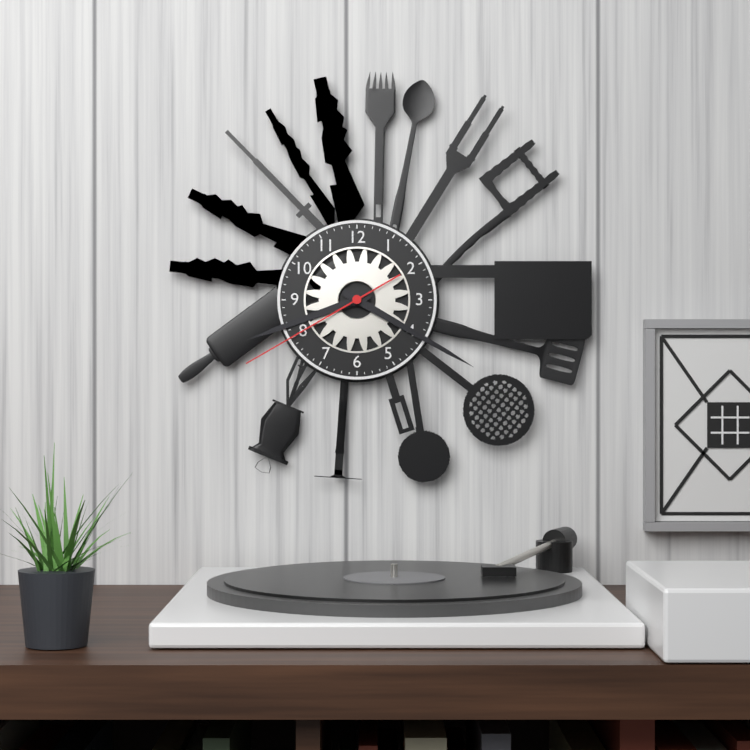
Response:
h=8 m=20 s=40
